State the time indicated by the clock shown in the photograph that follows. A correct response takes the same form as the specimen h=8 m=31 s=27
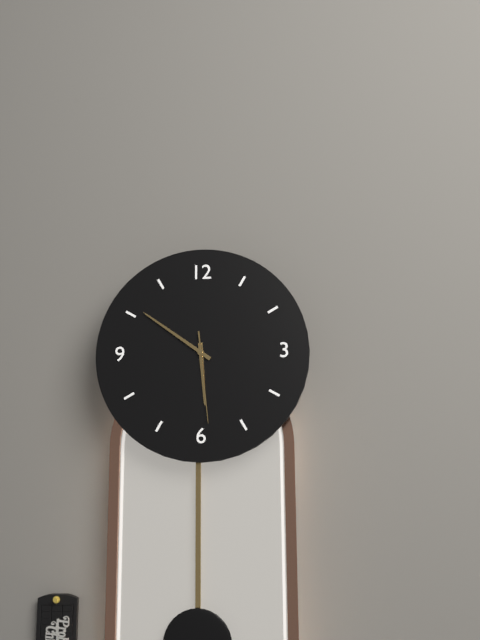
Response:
h=5 m=51 s=29
